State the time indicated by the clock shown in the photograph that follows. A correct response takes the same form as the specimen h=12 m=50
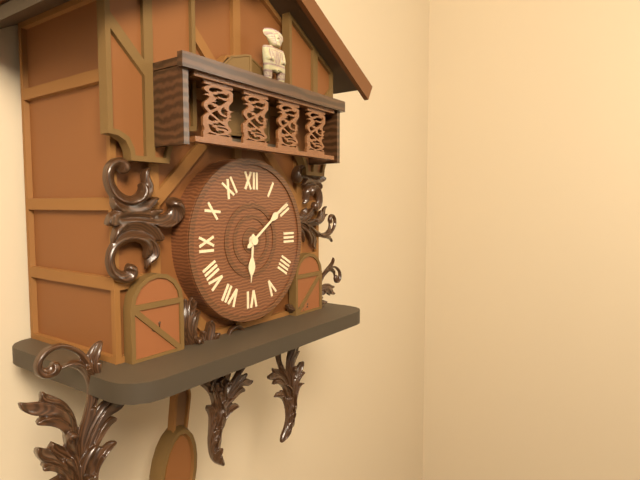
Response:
h=6 m=9
